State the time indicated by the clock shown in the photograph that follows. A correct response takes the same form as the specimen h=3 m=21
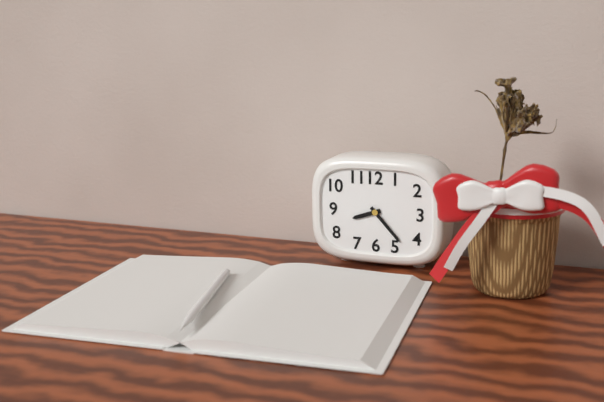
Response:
h=8 m=23
